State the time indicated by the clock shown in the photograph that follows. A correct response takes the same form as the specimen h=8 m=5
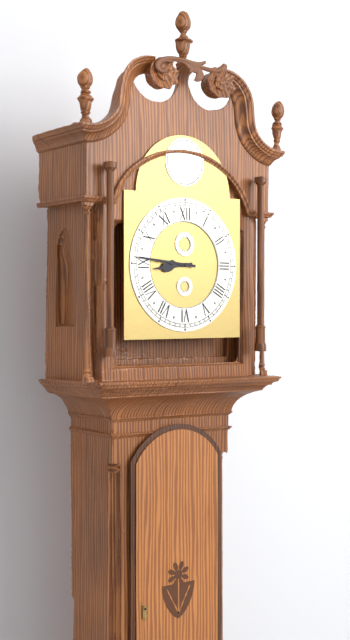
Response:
h=8 m=46
